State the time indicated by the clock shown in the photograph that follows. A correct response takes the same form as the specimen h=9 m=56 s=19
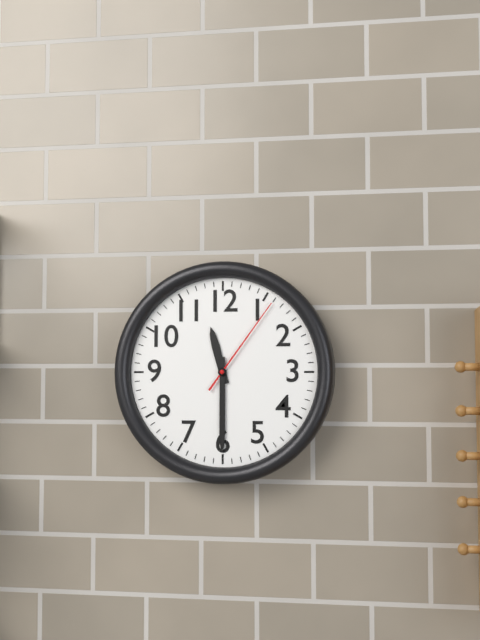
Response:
h=11 m=30 s=6
